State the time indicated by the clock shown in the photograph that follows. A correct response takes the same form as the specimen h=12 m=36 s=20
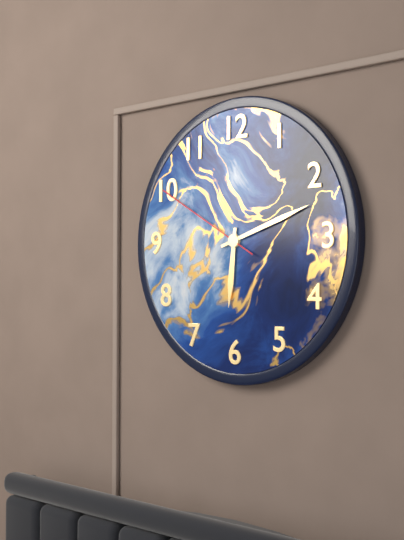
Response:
h=6 m=12 s=50
